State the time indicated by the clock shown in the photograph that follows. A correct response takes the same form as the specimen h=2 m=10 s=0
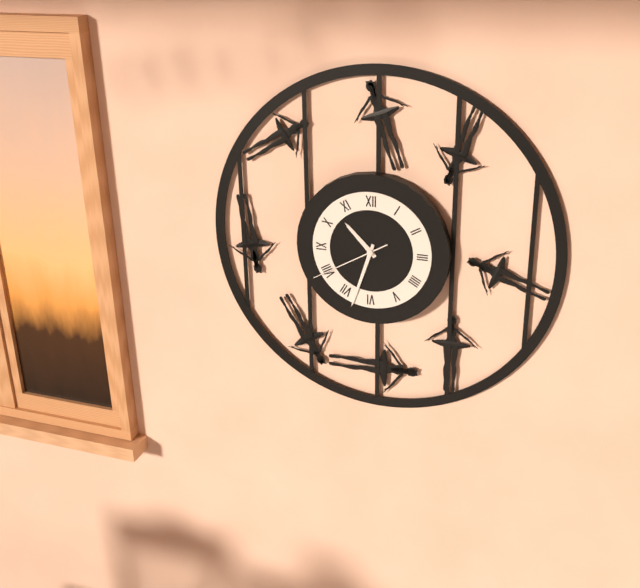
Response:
h=10 m=33 s=40
